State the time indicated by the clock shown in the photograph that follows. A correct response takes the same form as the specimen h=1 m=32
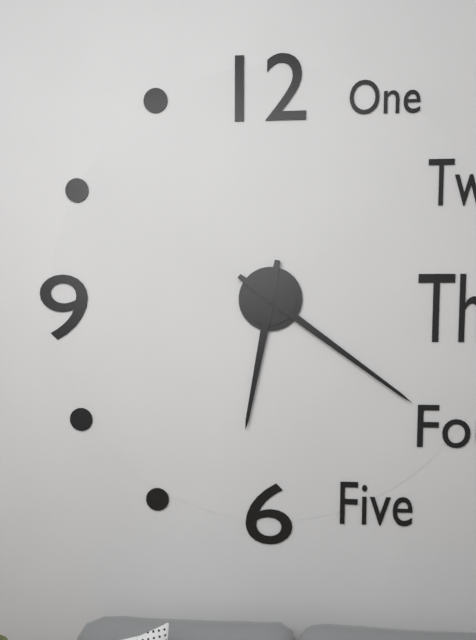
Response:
h=6 m=21
